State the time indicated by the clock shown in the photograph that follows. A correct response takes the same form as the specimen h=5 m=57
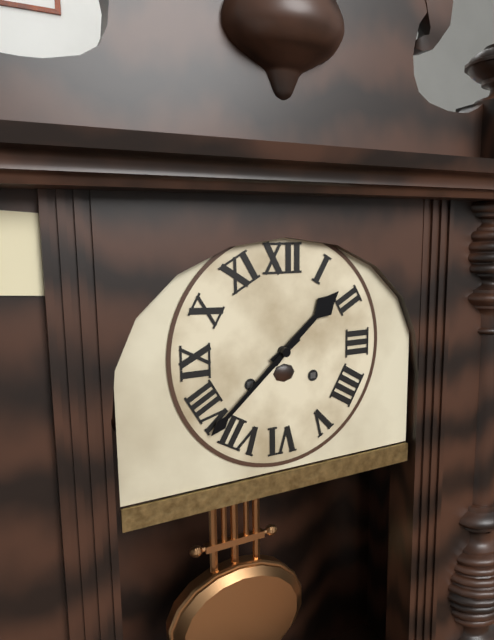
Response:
h=1 m=38
